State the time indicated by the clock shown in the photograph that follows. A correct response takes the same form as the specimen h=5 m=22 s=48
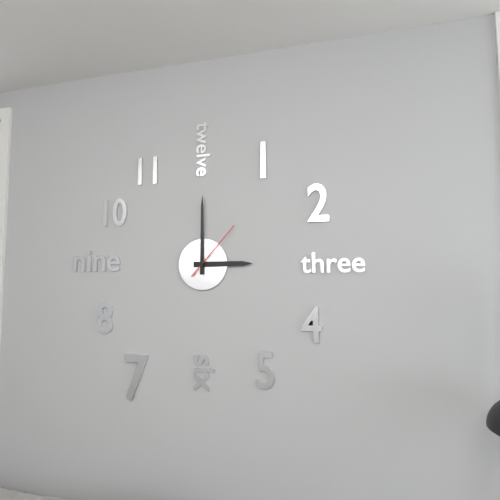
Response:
h=3 m=0 s=7
